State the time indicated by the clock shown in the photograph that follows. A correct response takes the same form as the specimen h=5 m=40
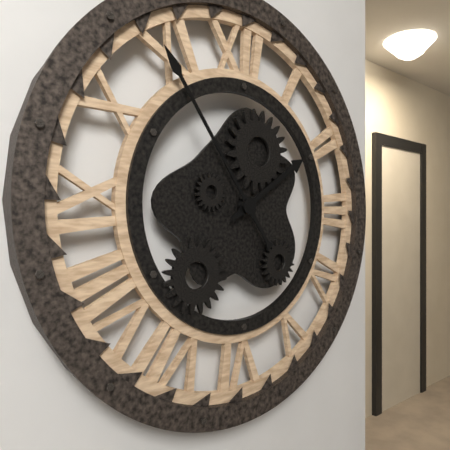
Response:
h=1 m=54
